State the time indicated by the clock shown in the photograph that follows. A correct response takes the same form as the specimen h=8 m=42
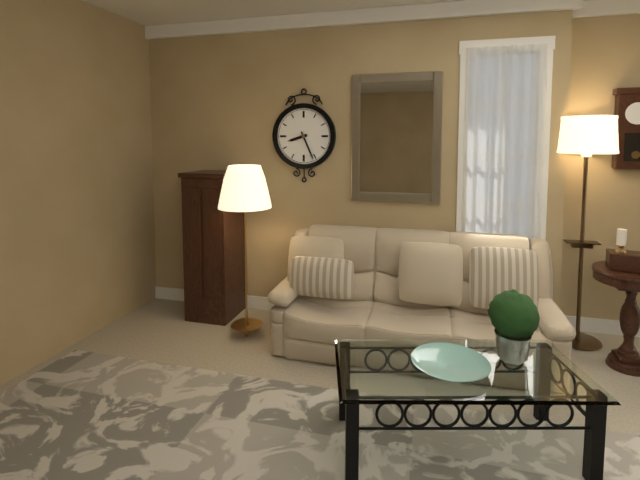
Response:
h=8 m=26
